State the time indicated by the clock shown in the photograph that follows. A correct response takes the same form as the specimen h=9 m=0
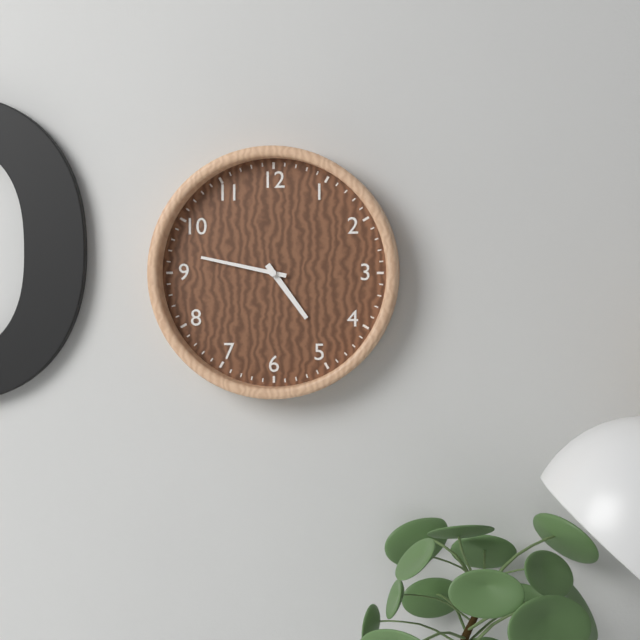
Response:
h=4 m=47
